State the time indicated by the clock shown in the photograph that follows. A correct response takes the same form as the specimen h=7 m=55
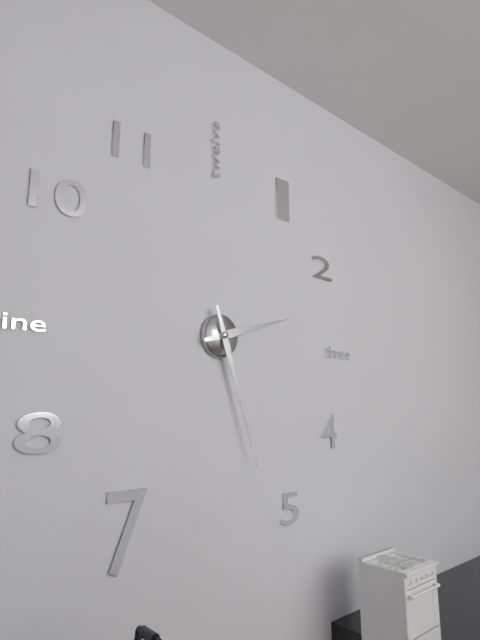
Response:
h=2 m=27
